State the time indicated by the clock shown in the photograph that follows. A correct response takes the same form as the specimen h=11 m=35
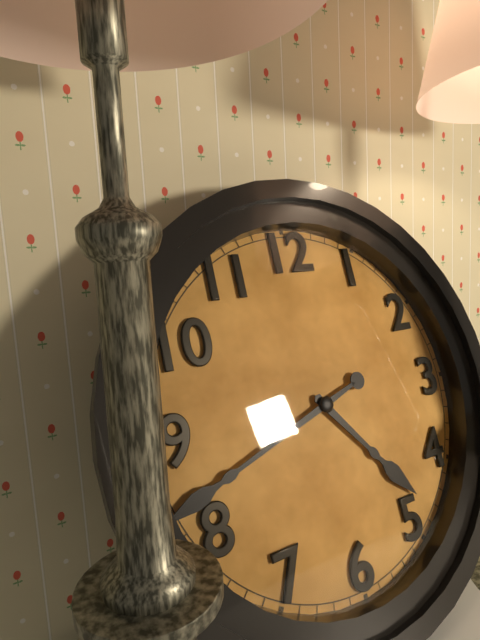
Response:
h=4 m=42
